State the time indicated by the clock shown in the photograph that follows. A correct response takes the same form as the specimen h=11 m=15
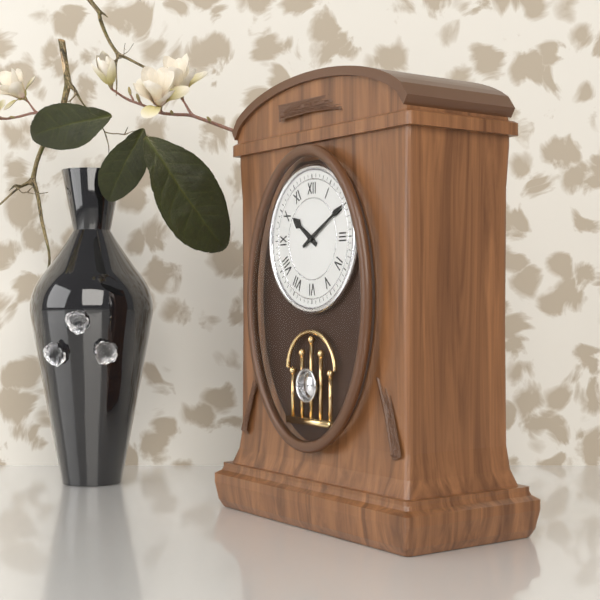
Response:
h=10 m=10
